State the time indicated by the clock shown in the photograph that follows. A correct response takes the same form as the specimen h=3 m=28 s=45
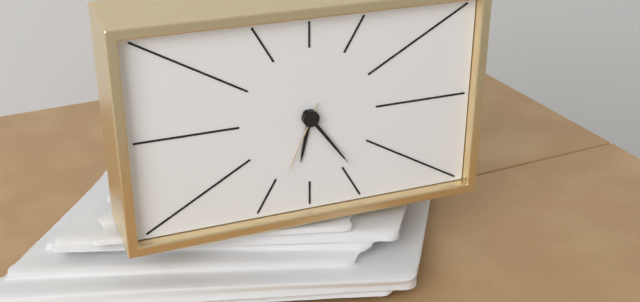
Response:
h=6 m=24 s=34
